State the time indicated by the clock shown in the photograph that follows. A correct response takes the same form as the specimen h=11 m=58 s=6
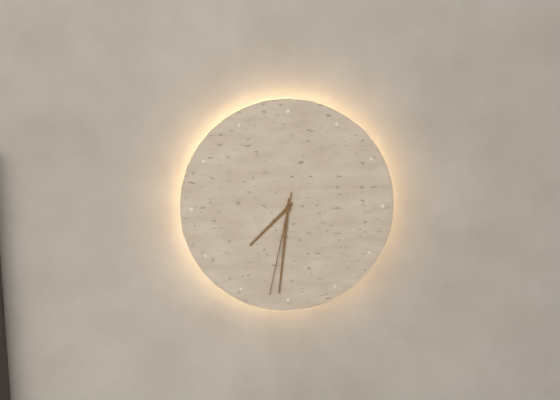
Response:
h=7 m=31 s=32
